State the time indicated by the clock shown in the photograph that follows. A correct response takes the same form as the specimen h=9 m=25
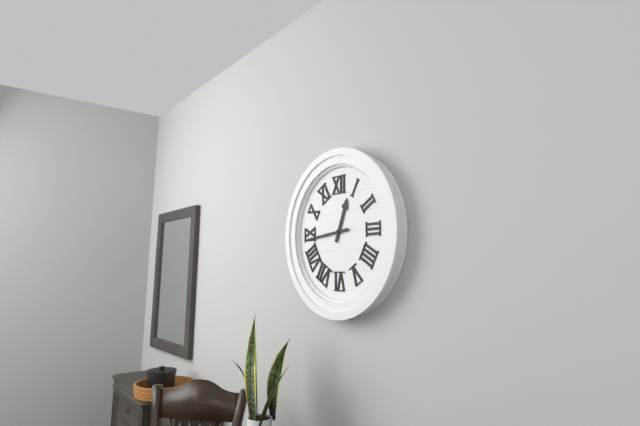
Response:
h=12 m=44
